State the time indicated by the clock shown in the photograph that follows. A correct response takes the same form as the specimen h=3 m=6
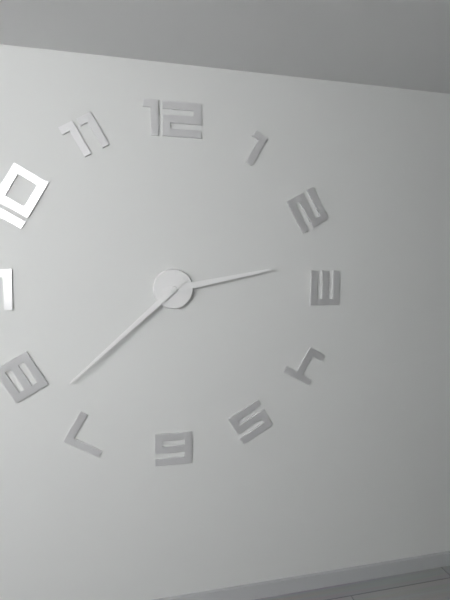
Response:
h=2 m=38
